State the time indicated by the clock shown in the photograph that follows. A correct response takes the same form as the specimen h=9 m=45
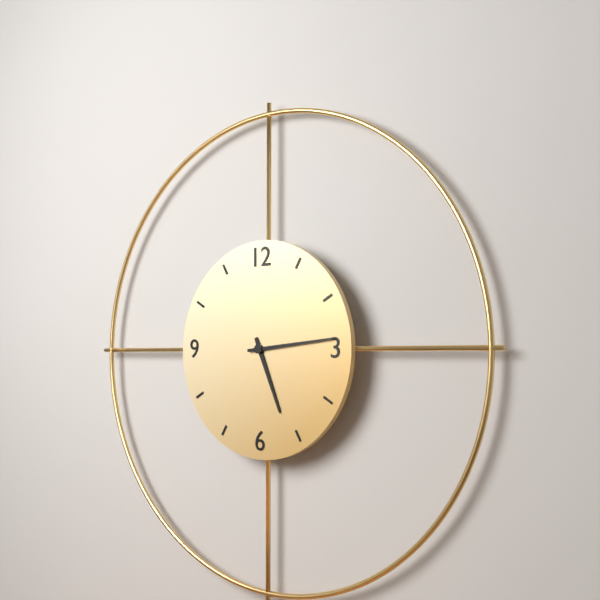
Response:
h=5 m=14
